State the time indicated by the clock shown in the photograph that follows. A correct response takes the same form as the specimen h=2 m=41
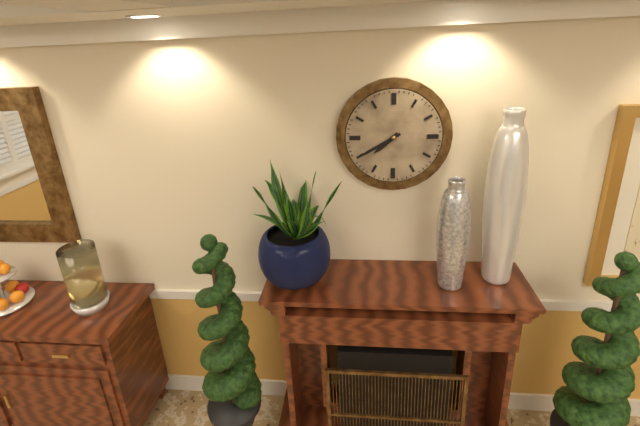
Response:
h=7 m=40
